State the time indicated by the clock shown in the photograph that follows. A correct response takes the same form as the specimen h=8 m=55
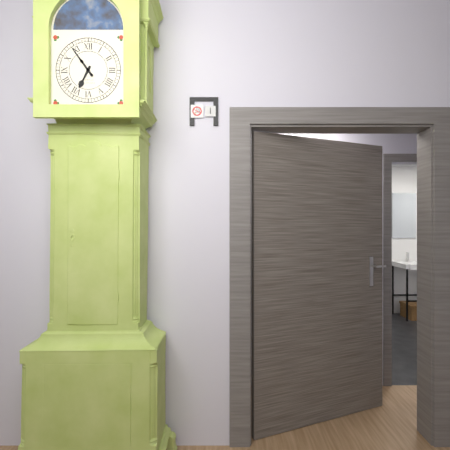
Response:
h=6 m=54
